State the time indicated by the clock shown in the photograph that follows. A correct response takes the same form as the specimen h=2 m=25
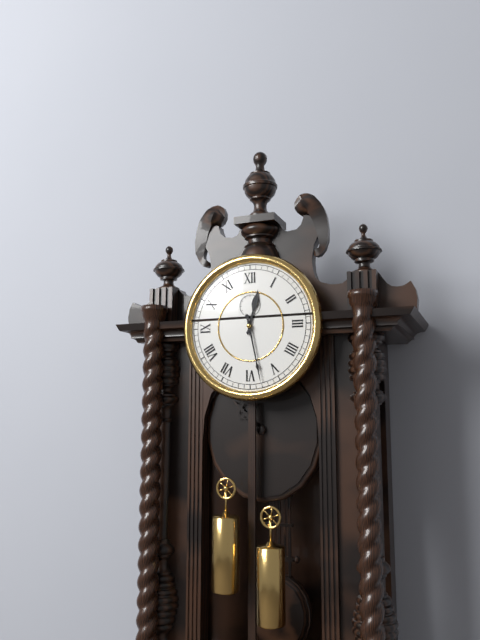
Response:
h=12 m=28
